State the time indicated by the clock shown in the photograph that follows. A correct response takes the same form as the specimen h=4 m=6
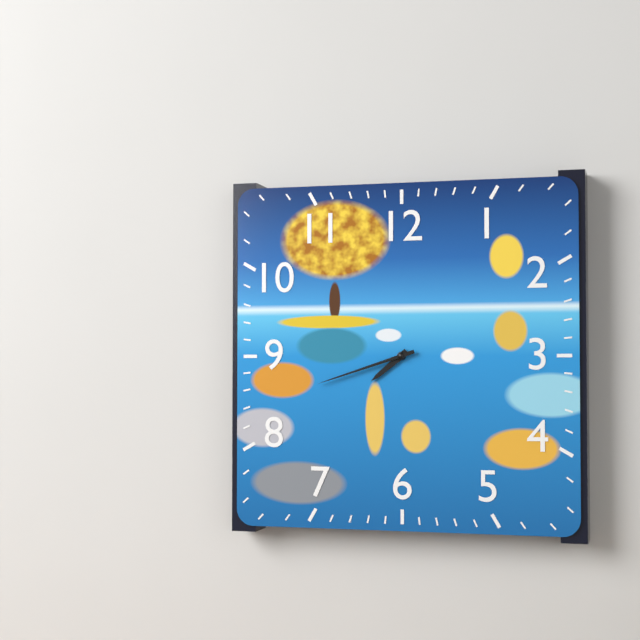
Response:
h=7 m=42
